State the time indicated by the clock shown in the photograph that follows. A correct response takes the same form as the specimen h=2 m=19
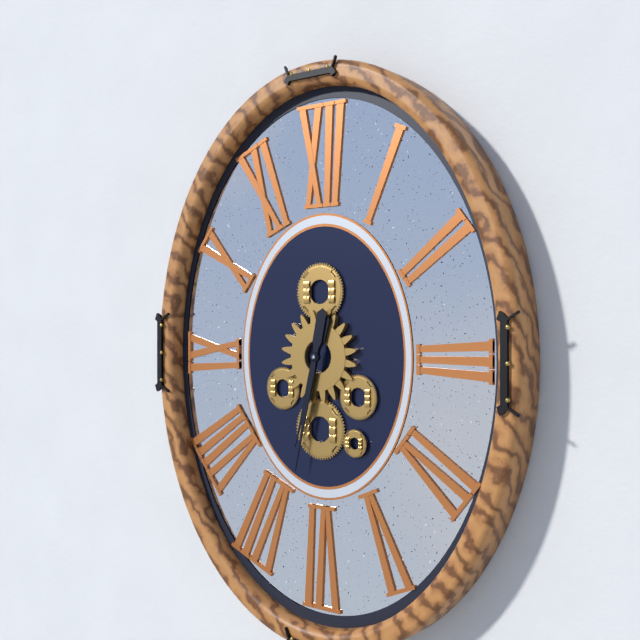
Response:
h=6 m=32
